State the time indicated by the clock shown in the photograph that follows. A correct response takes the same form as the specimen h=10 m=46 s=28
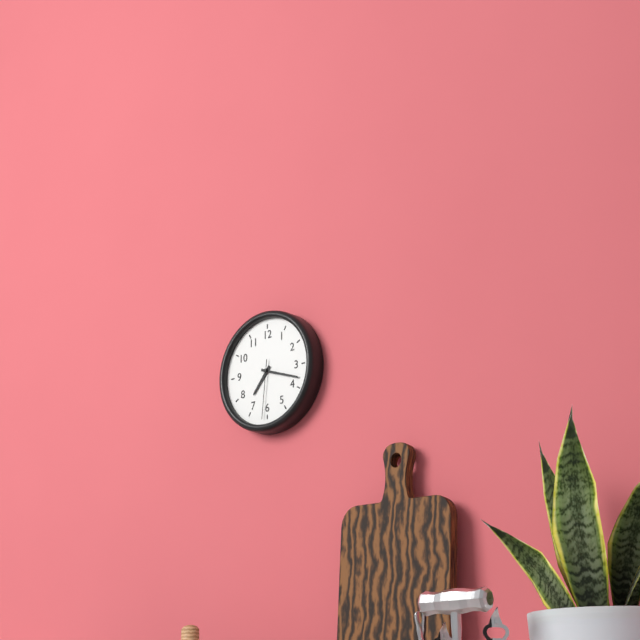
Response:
h=7 m=18 s=31
